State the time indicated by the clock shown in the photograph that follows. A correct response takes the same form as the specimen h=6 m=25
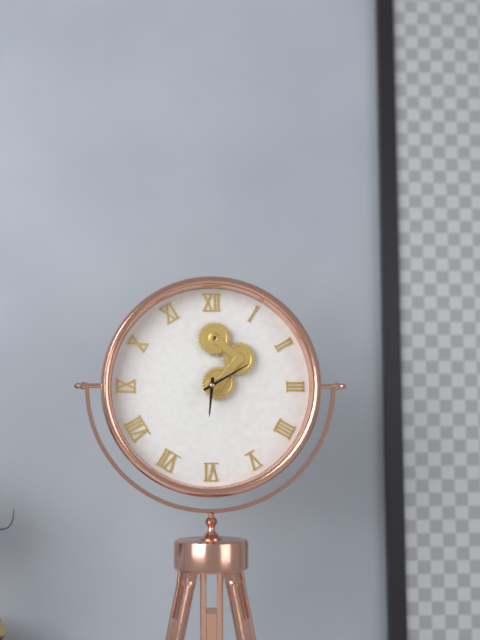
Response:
h=6 m=10
